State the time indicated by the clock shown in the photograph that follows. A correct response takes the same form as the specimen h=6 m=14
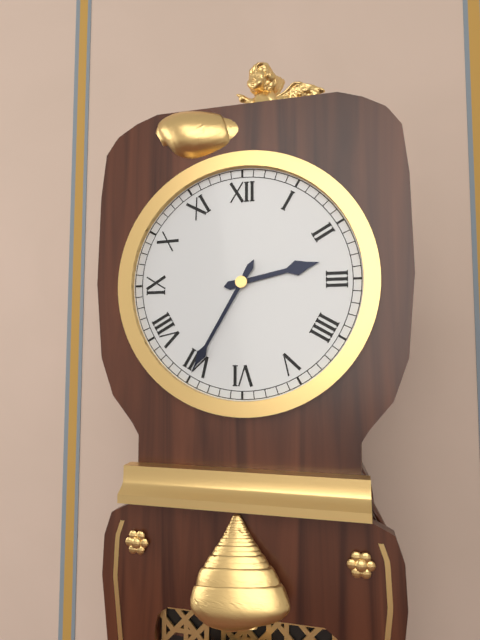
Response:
h=2 m=35
